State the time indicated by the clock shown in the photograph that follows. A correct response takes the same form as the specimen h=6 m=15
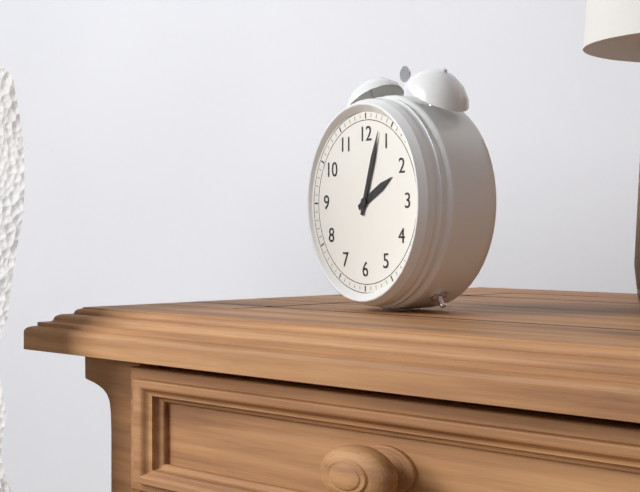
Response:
h=2 m=3
